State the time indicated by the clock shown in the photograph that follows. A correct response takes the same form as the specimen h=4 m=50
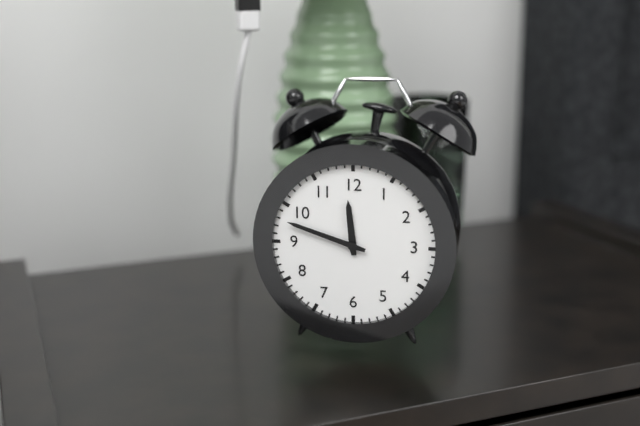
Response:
h=11 m=48
